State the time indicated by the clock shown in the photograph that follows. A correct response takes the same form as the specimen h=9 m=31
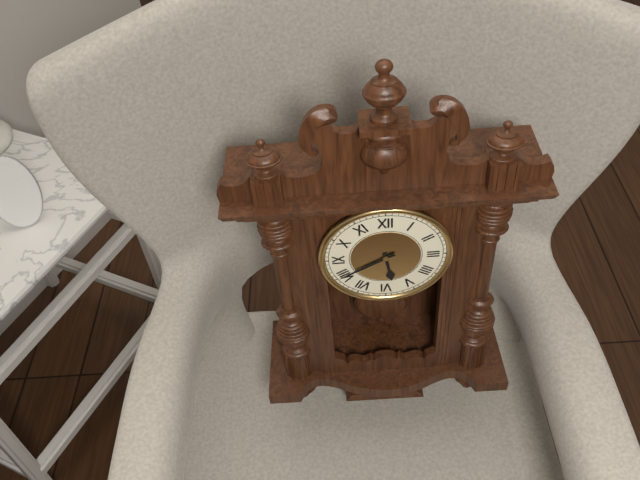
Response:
h=5 m=40
